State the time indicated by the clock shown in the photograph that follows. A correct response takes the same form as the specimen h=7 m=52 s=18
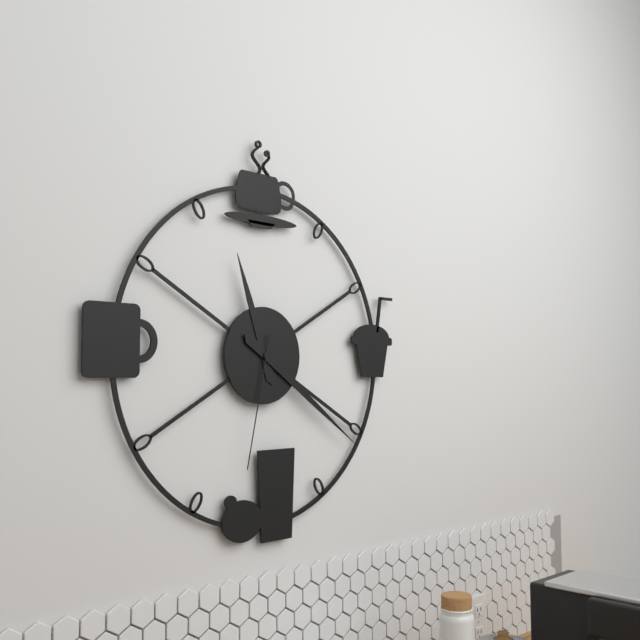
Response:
h=11 m=21 s=32
